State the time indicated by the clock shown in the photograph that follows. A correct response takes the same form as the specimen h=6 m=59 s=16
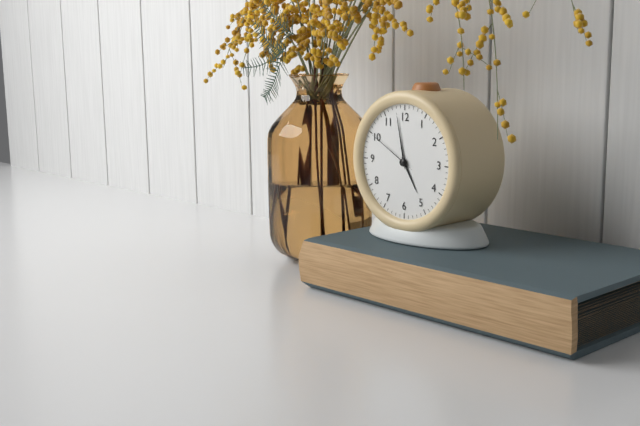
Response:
h=4 m=58 s=50
